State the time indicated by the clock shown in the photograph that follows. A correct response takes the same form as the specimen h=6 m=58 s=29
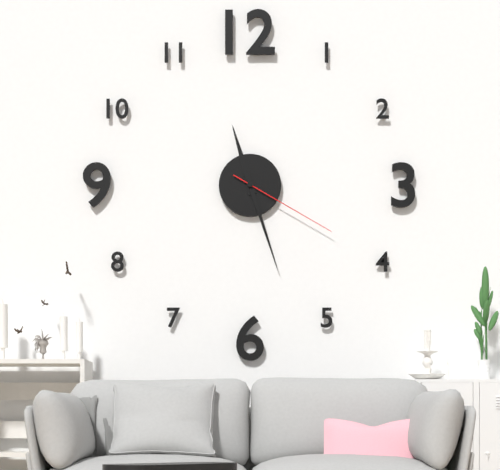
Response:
h=11 m=27 s=20
